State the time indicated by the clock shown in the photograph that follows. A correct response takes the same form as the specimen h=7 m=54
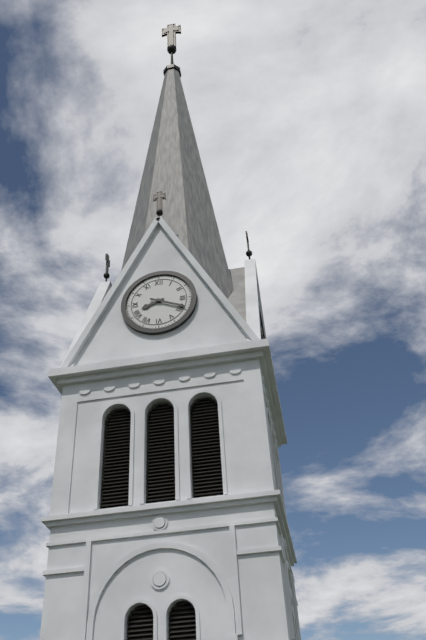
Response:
h=8 m=19
